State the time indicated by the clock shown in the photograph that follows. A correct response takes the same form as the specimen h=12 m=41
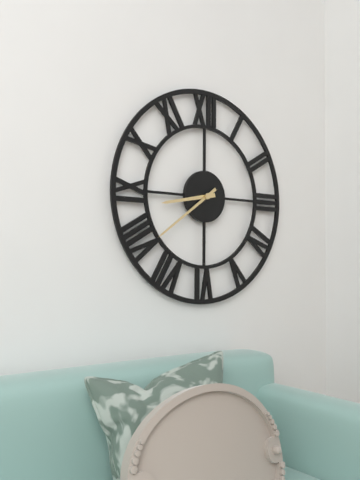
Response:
h=8 m=39
